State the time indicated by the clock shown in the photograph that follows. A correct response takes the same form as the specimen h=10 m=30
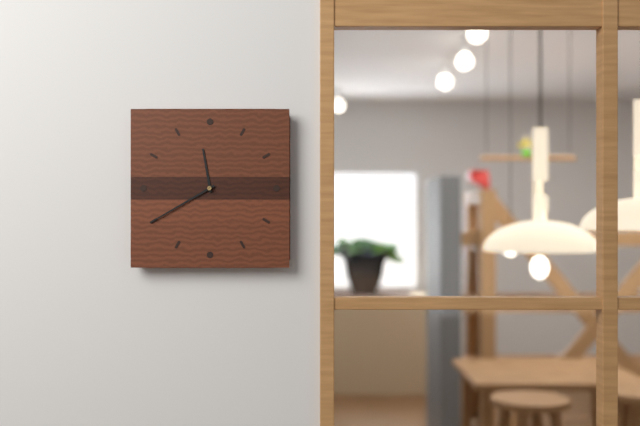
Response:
h=11 m=40
